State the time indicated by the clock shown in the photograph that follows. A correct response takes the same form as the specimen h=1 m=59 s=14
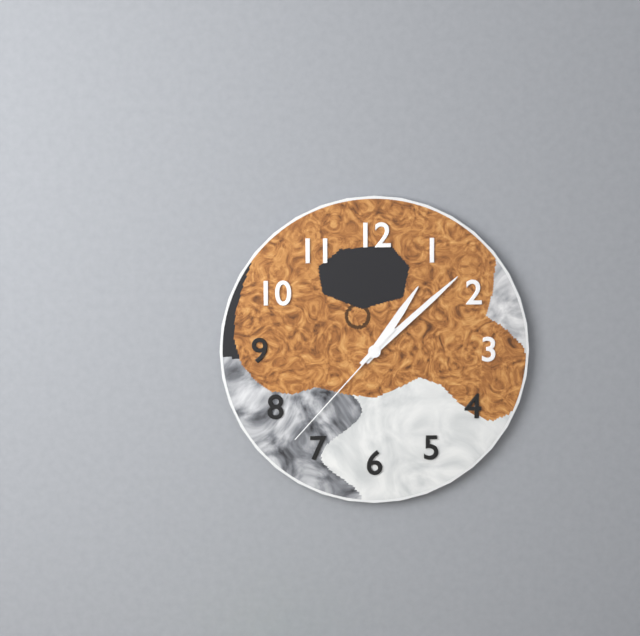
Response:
h=1 m=8 s=37
